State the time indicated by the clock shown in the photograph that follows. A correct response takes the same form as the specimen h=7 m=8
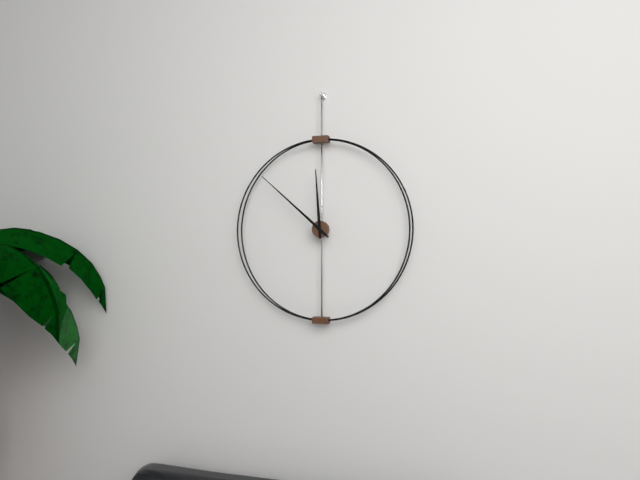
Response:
h=11 m=52
